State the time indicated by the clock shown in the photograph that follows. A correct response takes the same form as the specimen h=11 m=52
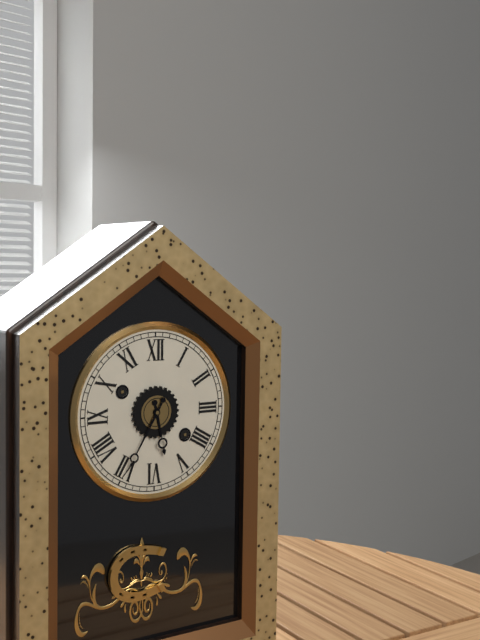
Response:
h=5 m=35
